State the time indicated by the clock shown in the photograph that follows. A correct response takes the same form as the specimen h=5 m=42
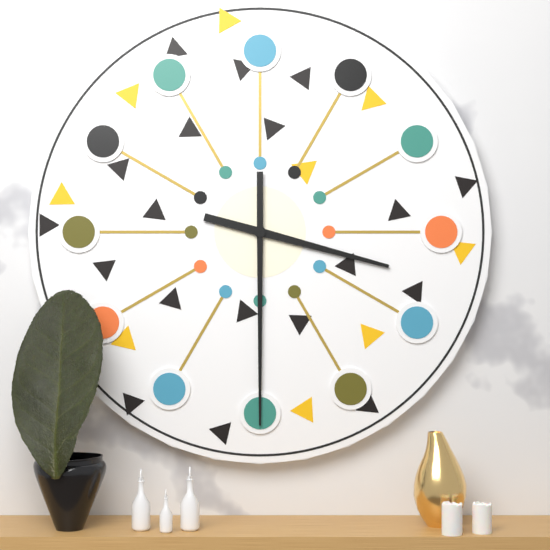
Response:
h=3 m=30
